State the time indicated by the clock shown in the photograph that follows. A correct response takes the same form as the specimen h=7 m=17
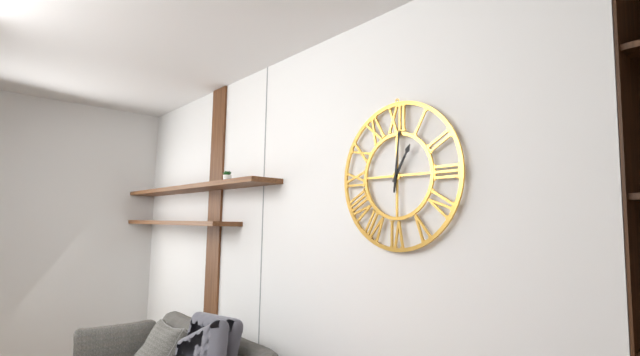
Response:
h=1 m=1
